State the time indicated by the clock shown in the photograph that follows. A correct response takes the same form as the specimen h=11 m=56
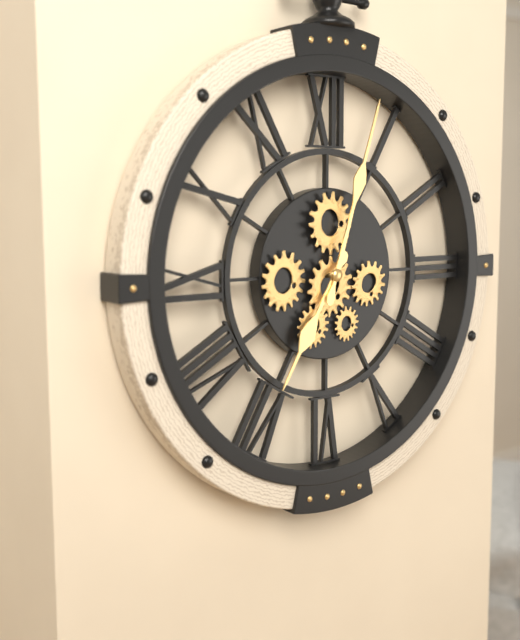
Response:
h=7 m=3
